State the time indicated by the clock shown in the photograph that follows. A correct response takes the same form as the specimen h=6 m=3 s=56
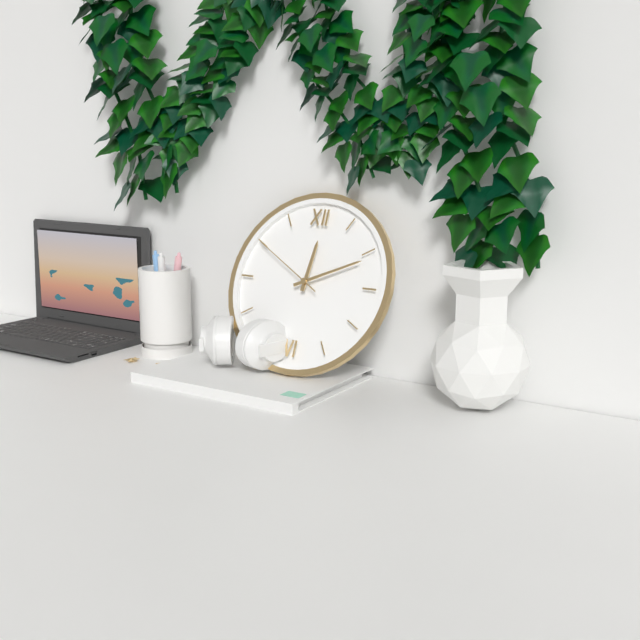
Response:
h=12 m=11 s=50
